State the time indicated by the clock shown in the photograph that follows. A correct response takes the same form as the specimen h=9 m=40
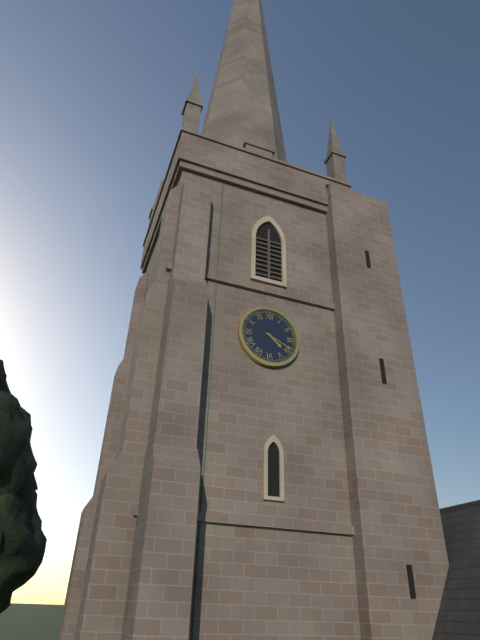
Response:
h=4 m=19
